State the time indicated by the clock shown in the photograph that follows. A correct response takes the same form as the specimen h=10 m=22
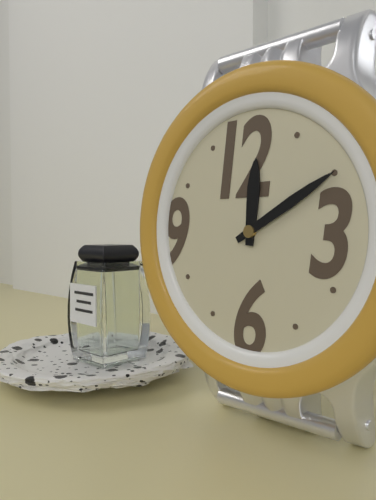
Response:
h=12 m=10
